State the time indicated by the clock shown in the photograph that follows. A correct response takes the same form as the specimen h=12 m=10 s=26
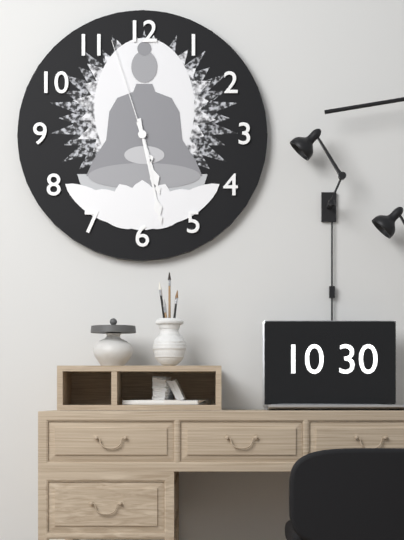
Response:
h=5 m=28 s=57
